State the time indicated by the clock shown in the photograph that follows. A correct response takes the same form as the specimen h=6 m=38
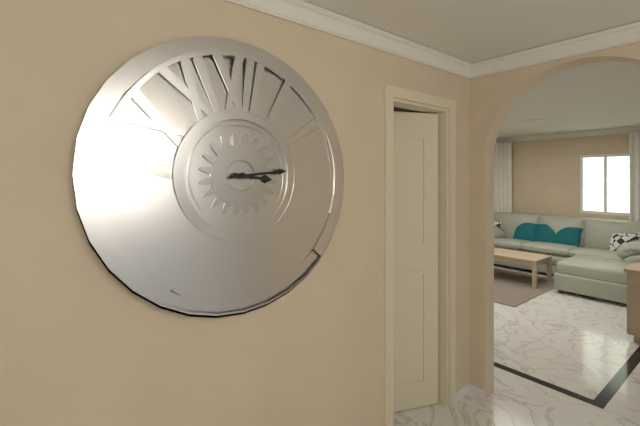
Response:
h=3 m=14
